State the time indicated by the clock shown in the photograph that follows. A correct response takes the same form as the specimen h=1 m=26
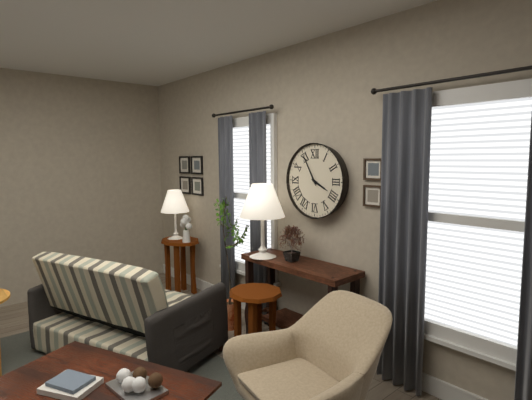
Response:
h=3 m=55
